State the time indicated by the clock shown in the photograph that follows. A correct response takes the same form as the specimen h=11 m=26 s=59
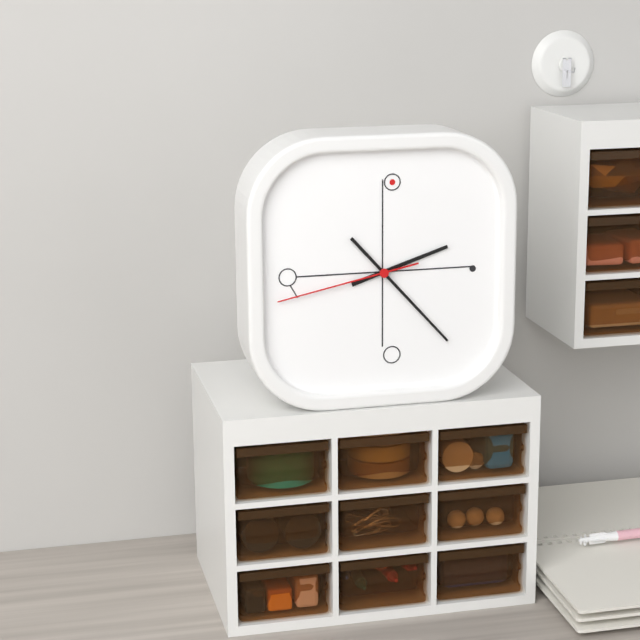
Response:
h=2 m=23 s=43
